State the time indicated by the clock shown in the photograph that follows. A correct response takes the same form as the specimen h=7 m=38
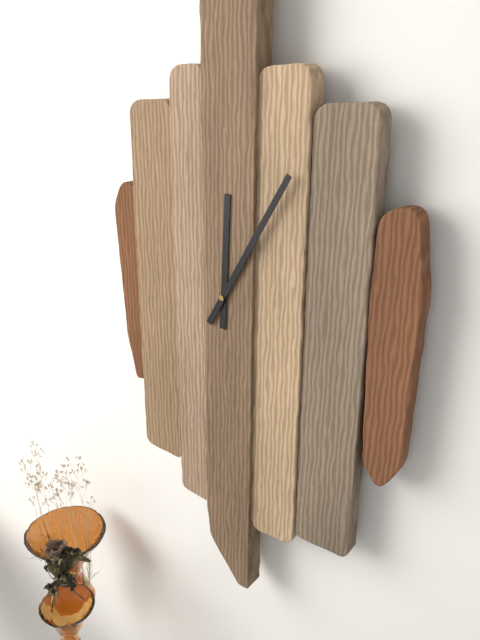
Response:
h=12 m=5
